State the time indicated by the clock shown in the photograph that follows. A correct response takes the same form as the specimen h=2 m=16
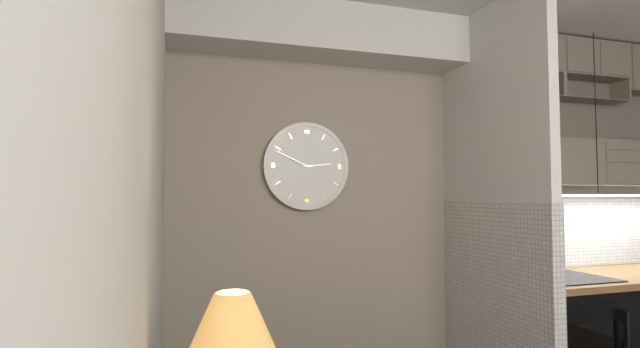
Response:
h=2 m=49
